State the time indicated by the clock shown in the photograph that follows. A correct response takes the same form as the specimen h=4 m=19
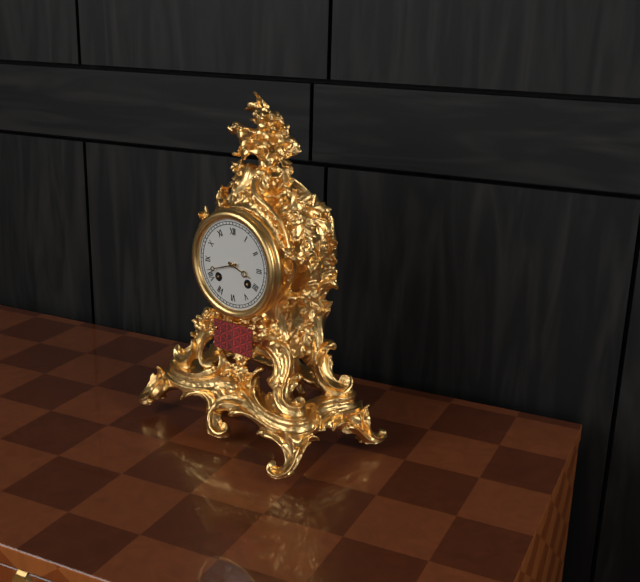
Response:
h=3 m=42
